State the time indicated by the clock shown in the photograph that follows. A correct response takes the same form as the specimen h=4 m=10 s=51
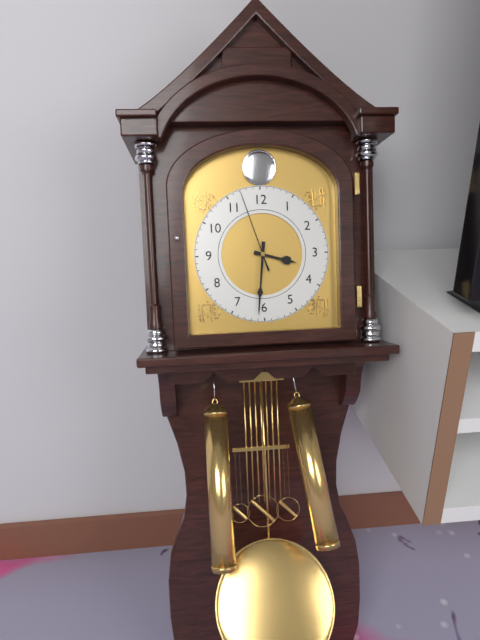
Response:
h=3 m=31 s=57
